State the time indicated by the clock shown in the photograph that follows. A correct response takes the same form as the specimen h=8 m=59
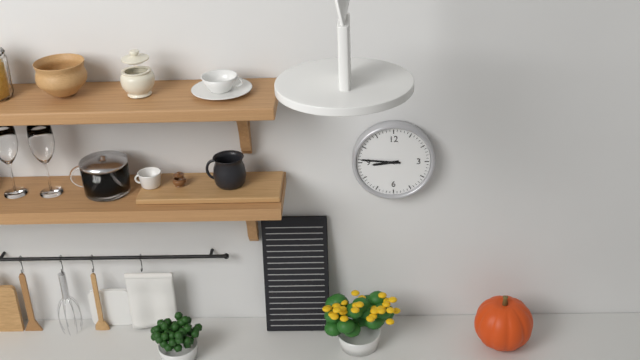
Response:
h=8 m=46
